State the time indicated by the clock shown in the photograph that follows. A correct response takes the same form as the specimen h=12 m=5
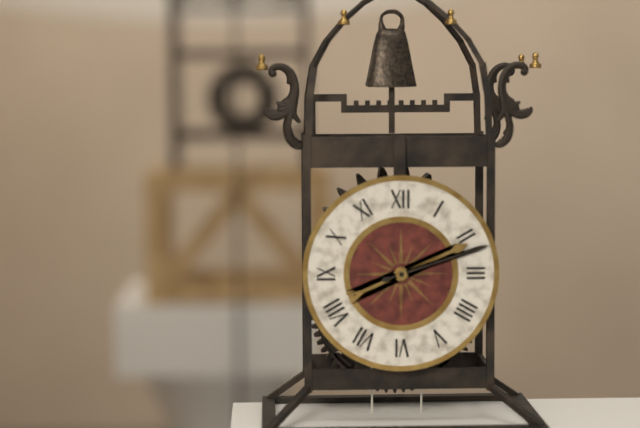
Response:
h=2 m=12
